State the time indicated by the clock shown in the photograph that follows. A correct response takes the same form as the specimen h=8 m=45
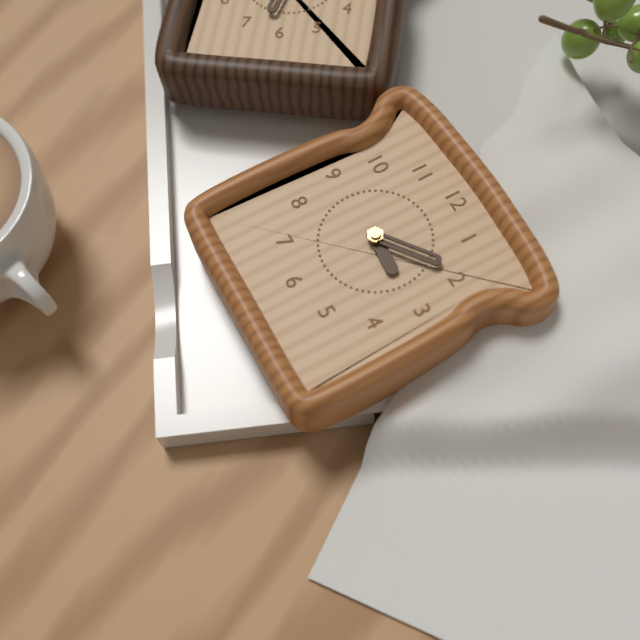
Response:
h=3 m=9
